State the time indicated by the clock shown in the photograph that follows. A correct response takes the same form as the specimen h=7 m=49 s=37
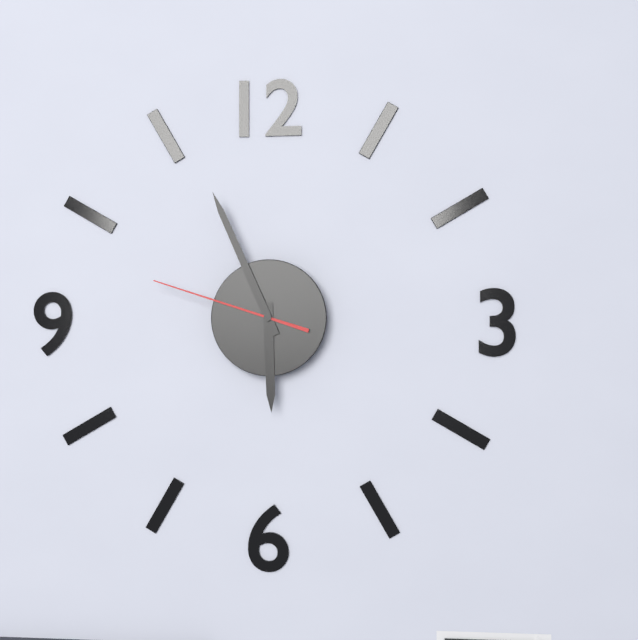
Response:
h=5 m=56 s=48
